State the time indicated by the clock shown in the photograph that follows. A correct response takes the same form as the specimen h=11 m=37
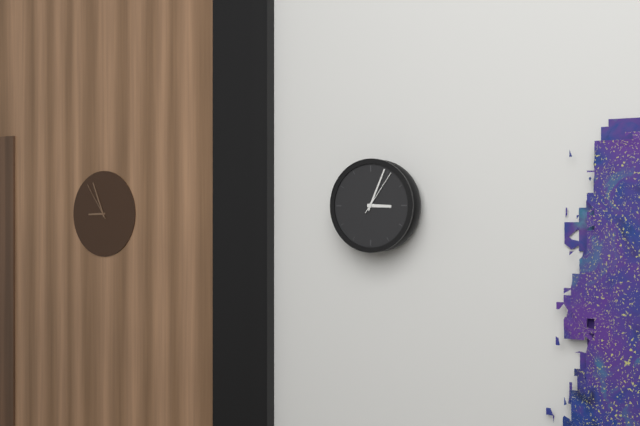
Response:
h=3 m=4
